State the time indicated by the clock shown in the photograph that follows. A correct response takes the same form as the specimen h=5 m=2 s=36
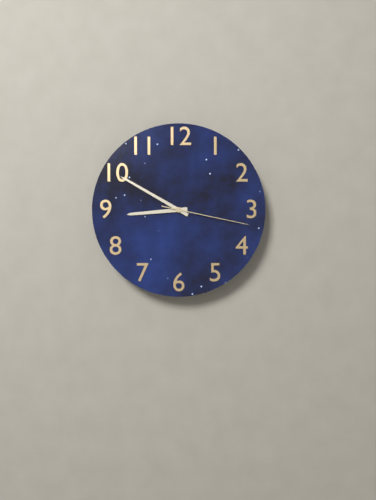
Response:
h=8 m=50 s=17
